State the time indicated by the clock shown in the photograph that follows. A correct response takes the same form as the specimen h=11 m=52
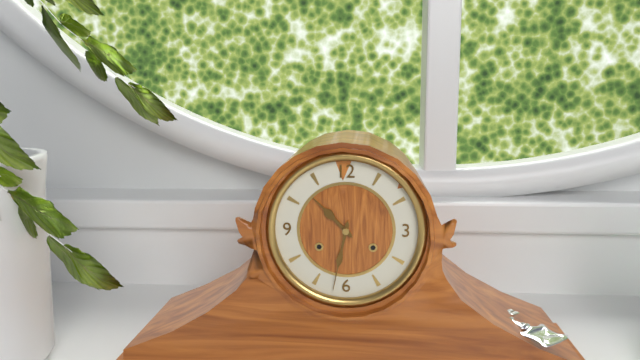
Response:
h=10 m=32
